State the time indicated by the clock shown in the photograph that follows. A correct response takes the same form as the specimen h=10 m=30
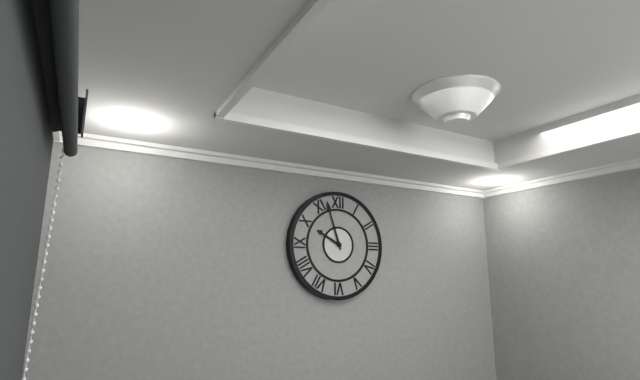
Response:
h=9 m=57
